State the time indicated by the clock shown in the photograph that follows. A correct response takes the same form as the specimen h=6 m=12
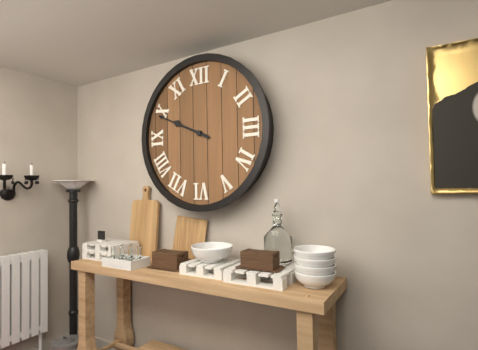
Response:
h=9 m=49
